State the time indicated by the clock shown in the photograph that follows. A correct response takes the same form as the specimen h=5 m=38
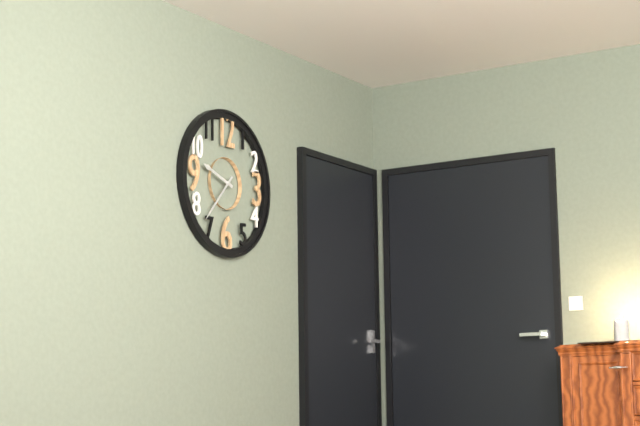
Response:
h=9 m=37
